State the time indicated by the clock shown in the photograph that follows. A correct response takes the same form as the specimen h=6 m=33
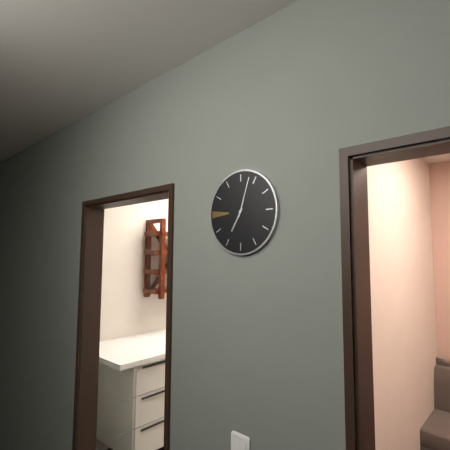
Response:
h=7 m=3
